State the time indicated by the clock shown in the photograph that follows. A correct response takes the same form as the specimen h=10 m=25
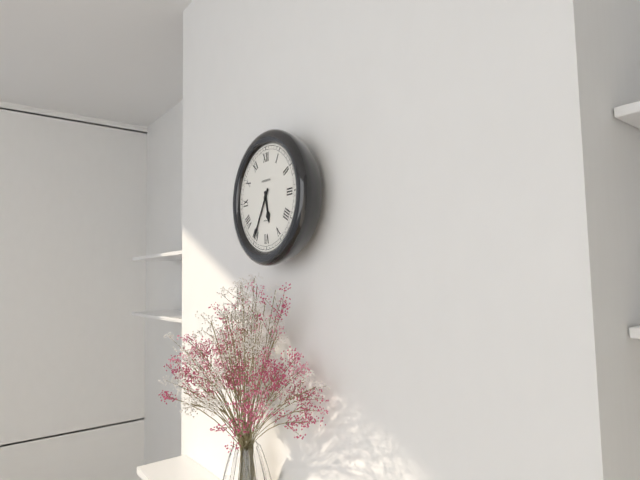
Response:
h=5 m=35
